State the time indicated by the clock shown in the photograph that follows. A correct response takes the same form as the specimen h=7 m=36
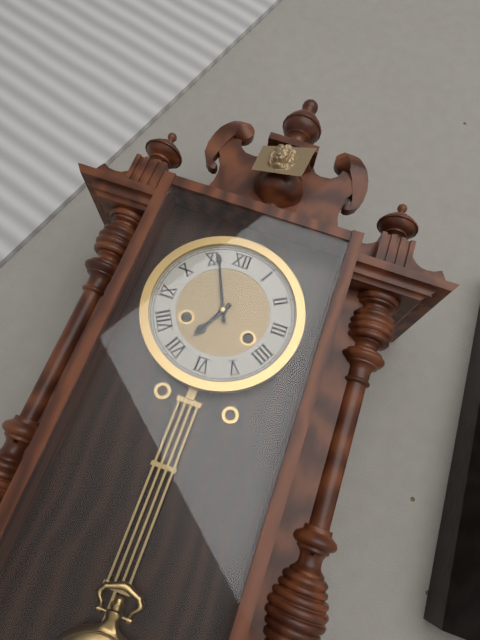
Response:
h=6 m=56
